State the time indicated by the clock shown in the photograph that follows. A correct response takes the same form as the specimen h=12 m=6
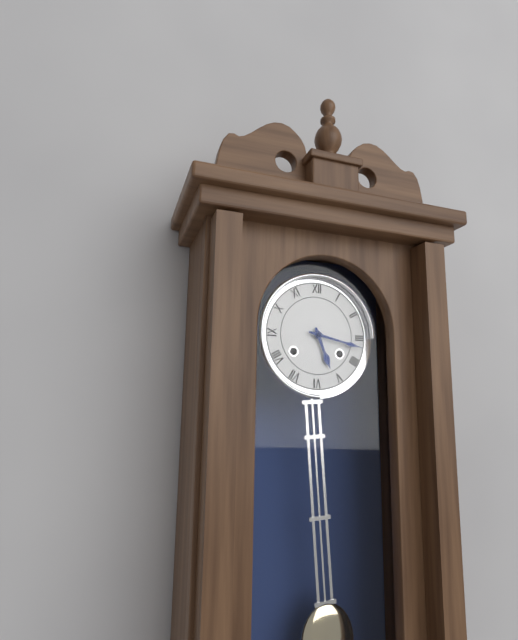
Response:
h=5 m=17
